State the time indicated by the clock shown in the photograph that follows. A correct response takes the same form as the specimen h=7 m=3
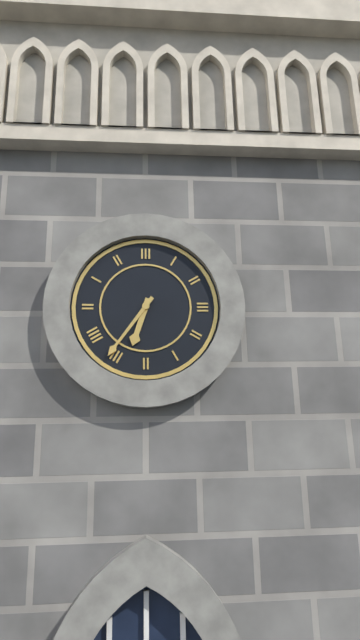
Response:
h=6 m=36
